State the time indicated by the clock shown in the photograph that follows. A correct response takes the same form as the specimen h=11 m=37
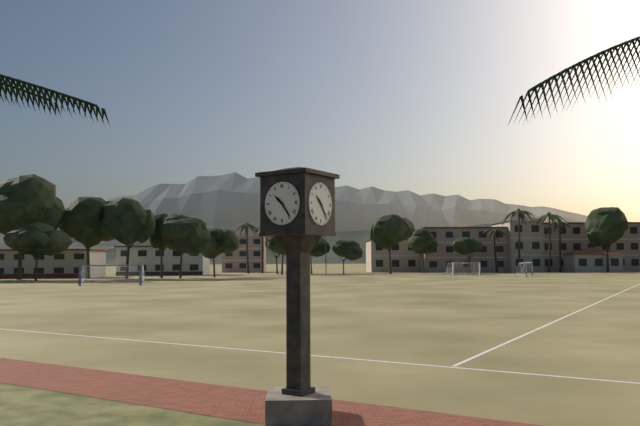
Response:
h=10 m=24
